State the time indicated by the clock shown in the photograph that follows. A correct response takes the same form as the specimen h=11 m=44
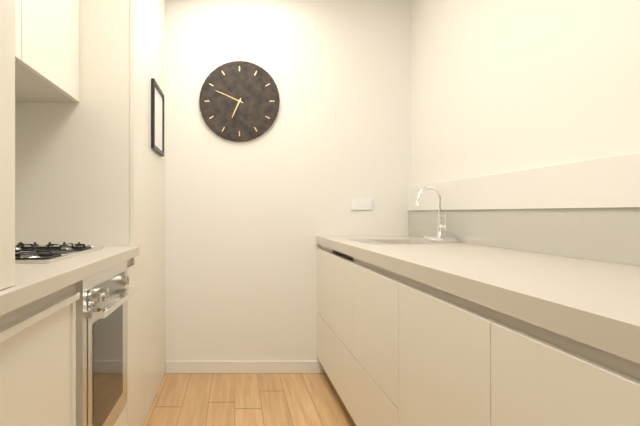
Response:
h=6 m=49
